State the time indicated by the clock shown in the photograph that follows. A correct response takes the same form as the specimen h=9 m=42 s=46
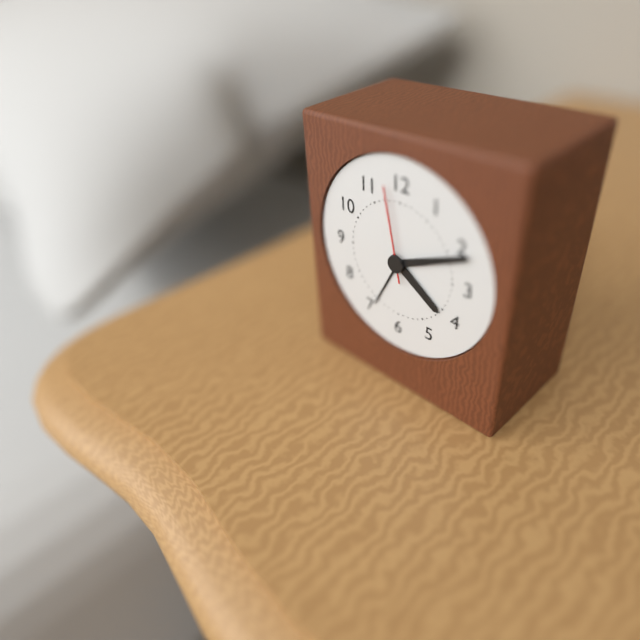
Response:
h=4 m=11 s=58
